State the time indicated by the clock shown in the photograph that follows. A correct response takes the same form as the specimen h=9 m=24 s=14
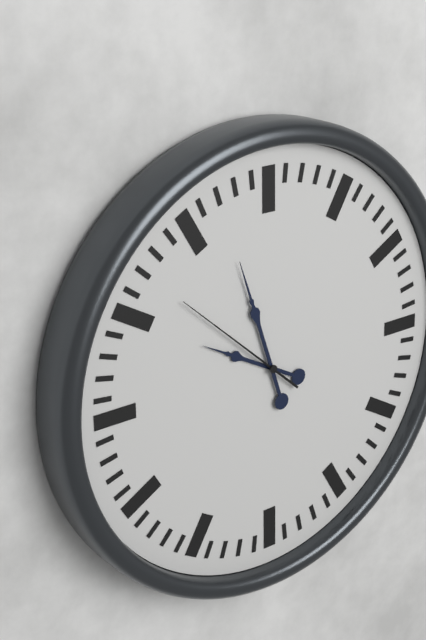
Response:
h=9 m=57 s=52
